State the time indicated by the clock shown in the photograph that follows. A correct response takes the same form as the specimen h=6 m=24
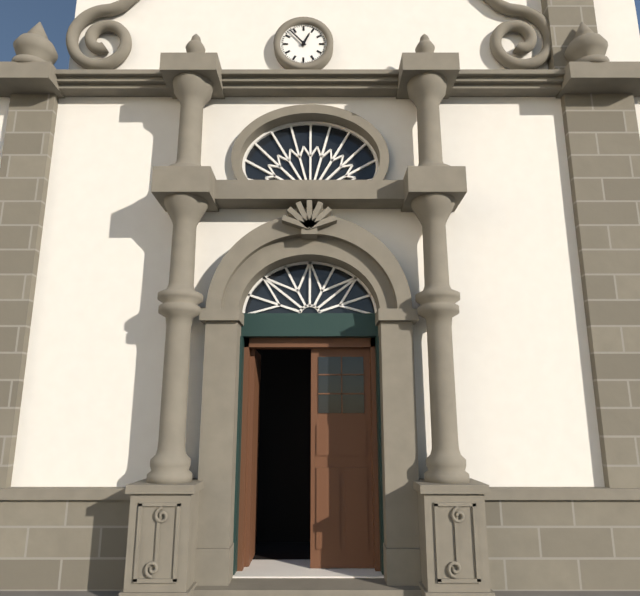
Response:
h=12 m=53
